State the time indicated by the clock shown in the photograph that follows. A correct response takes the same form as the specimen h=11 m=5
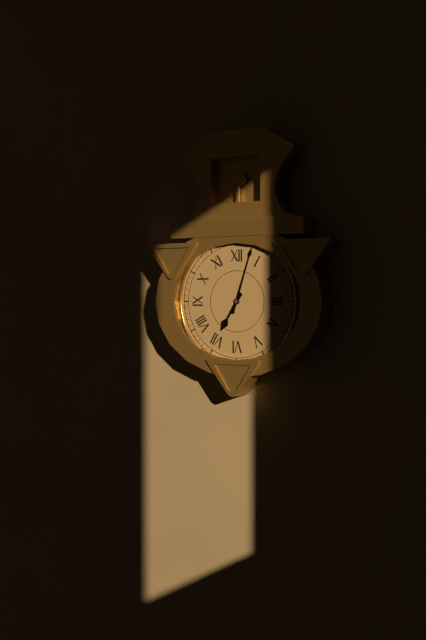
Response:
h=7 m=3
